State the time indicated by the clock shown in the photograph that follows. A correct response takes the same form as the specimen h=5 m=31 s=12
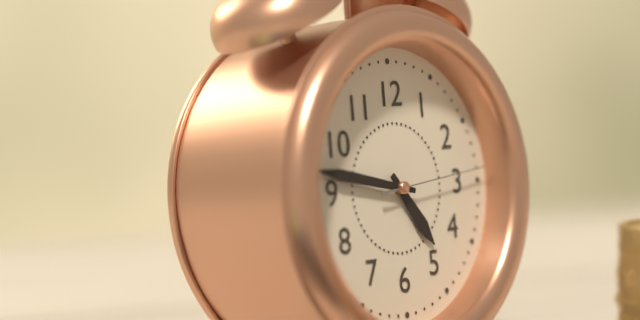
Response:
h=4 m=47 s=14
